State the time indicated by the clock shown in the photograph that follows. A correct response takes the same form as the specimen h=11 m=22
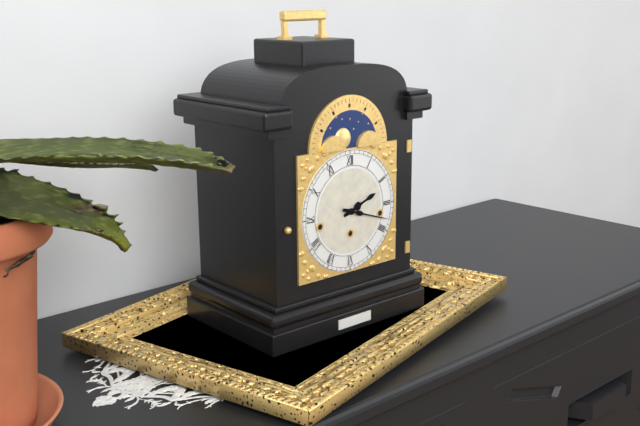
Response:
h=2 m=18
